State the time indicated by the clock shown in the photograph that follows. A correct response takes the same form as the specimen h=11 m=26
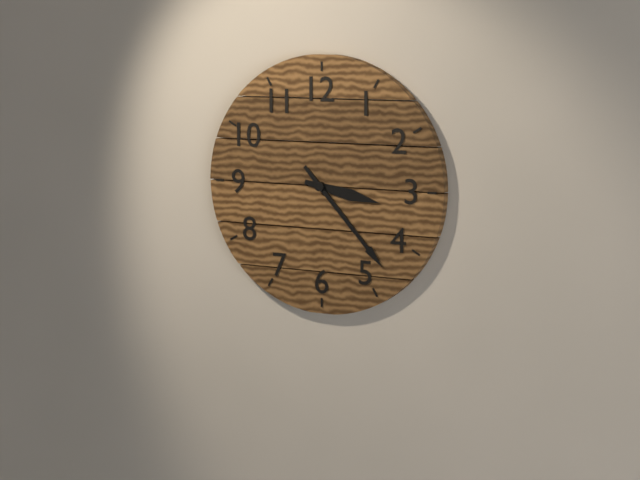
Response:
h=3 m=23
